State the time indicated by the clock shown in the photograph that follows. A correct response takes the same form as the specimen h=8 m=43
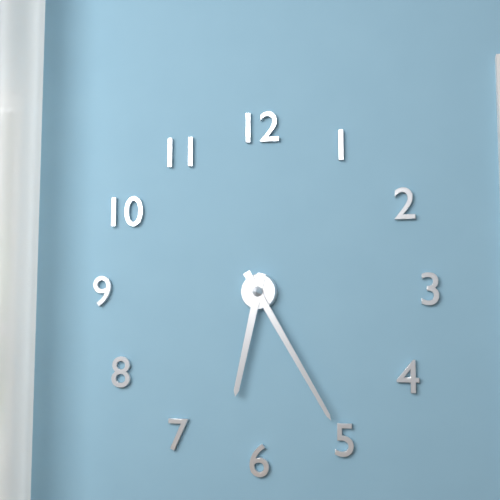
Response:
h=6 m=25
